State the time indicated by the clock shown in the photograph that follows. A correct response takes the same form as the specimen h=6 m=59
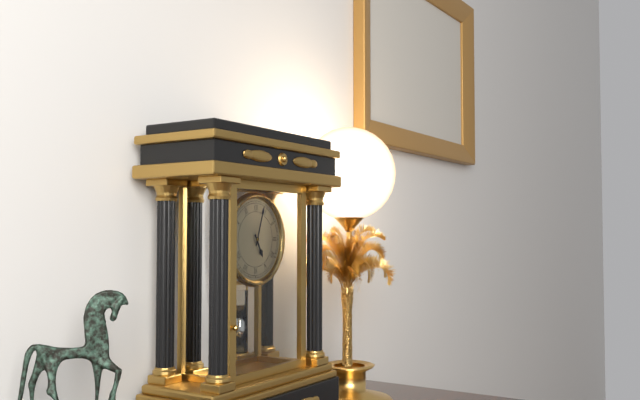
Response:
h=5 m=3
